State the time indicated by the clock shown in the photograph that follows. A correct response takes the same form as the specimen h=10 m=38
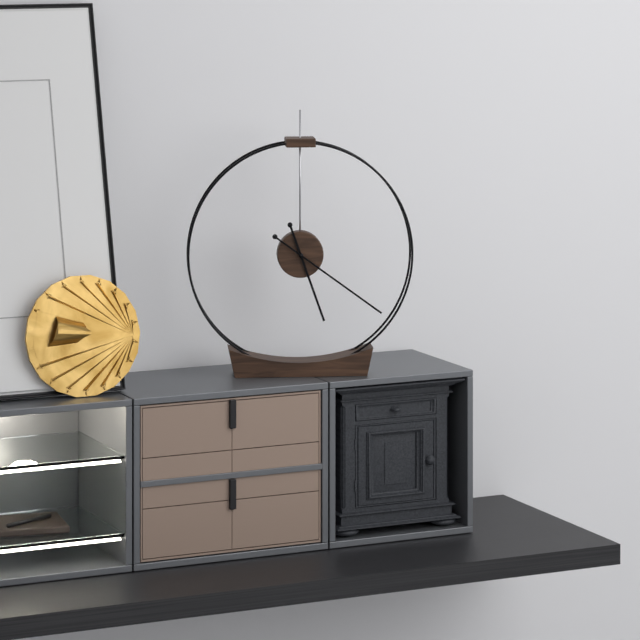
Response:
h=5 m=21
